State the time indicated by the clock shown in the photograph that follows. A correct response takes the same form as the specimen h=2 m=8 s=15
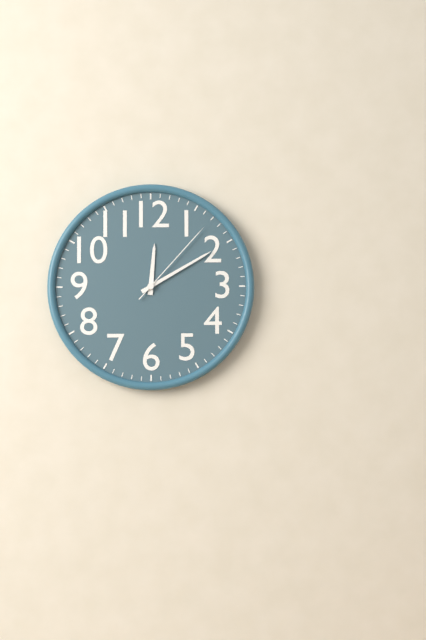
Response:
h=12 m=10 s=7
